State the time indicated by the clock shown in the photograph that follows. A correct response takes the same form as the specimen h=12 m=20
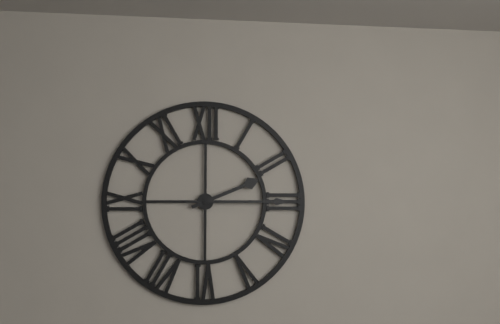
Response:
h=2 m=15
